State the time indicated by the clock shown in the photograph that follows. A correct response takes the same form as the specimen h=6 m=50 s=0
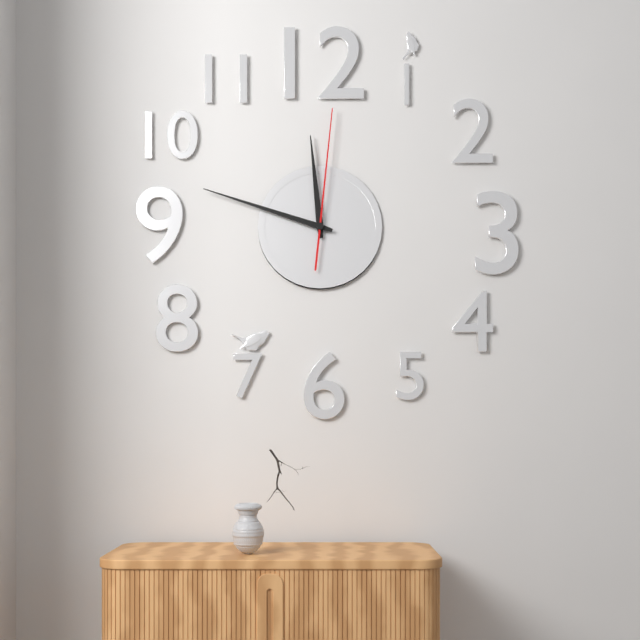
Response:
h=11 m=48 s=1
